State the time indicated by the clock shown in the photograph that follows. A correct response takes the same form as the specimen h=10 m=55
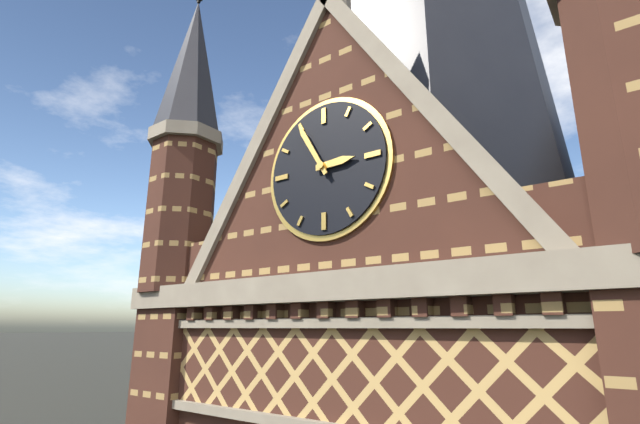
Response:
h=2 m=55
